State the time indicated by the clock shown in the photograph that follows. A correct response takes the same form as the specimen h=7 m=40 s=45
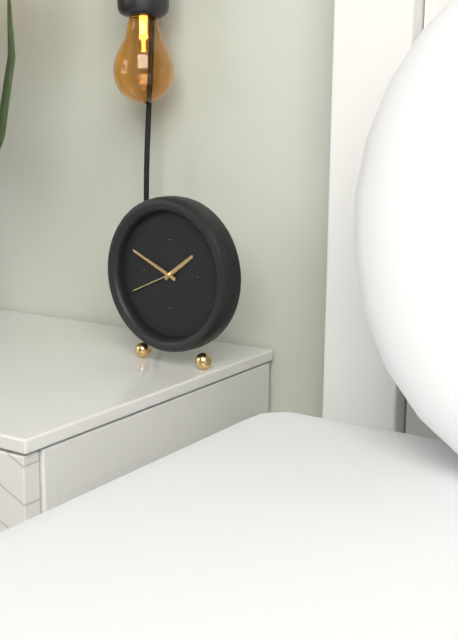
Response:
h=1 m=49 s=41
